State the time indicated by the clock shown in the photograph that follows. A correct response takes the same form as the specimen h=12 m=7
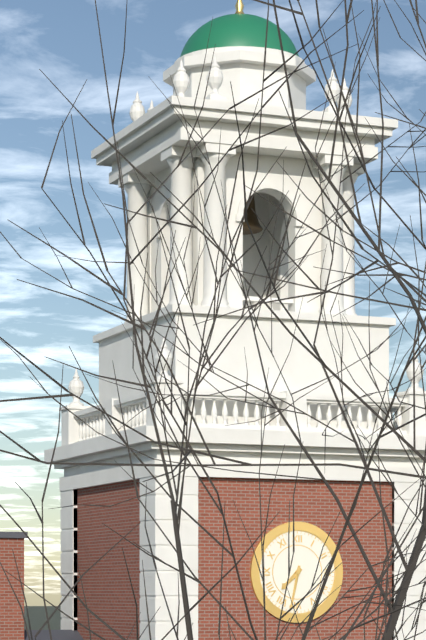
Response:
h=7 m=32
